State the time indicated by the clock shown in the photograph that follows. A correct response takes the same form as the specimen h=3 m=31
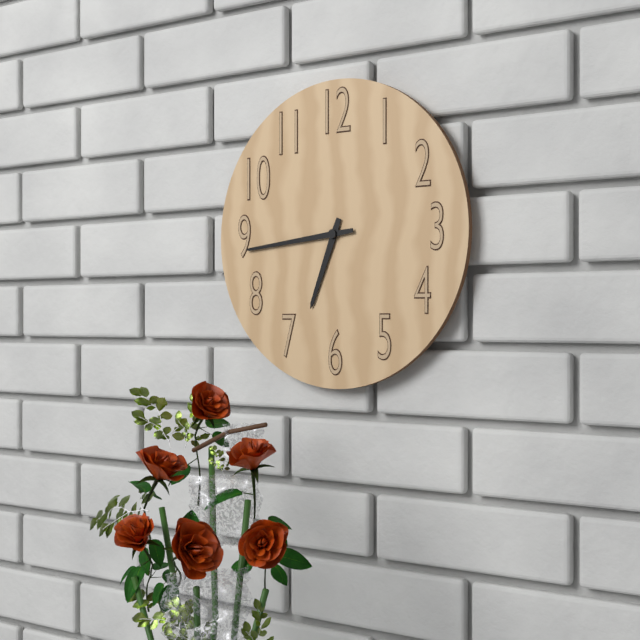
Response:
h=6 m=44
